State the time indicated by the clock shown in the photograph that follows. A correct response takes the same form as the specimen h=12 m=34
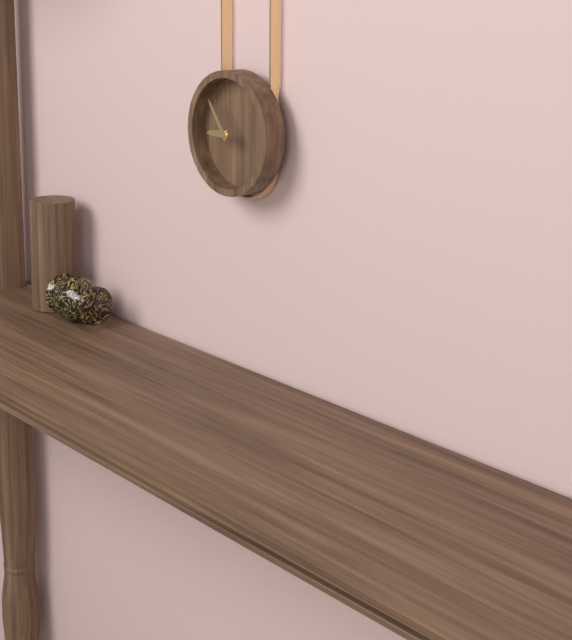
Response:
h=8 m=54
